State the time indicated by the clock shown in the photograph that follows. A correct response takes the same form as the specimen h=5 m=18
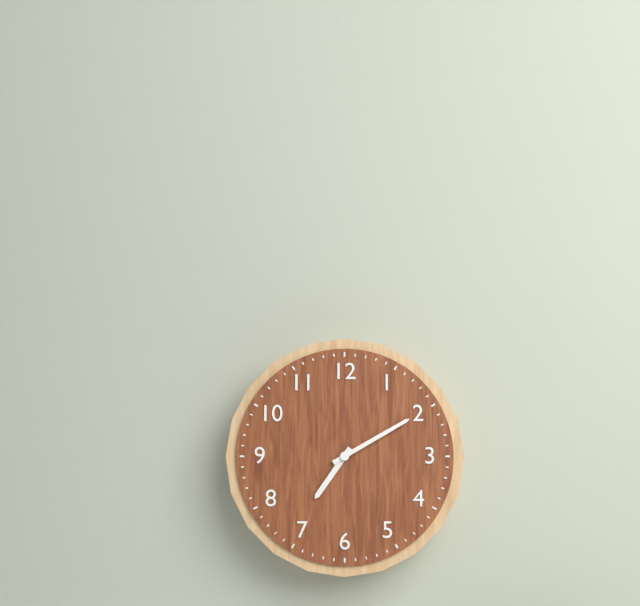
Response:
h=7 m=10
